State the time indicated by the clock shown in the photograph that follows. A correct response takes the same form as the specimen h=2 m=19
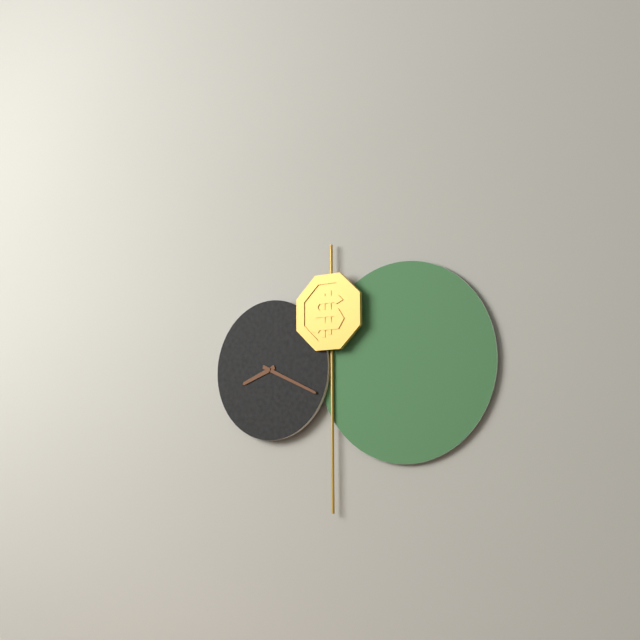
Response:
h=8 m=19
